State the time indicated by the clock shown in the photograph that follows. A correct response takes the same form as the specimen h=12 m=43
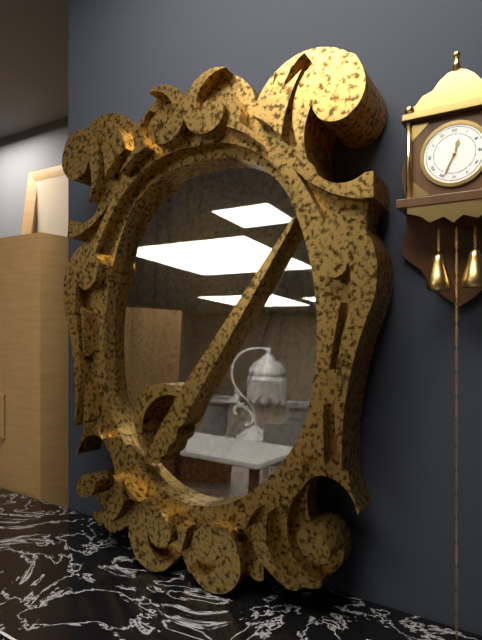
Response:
h=12 m=34
